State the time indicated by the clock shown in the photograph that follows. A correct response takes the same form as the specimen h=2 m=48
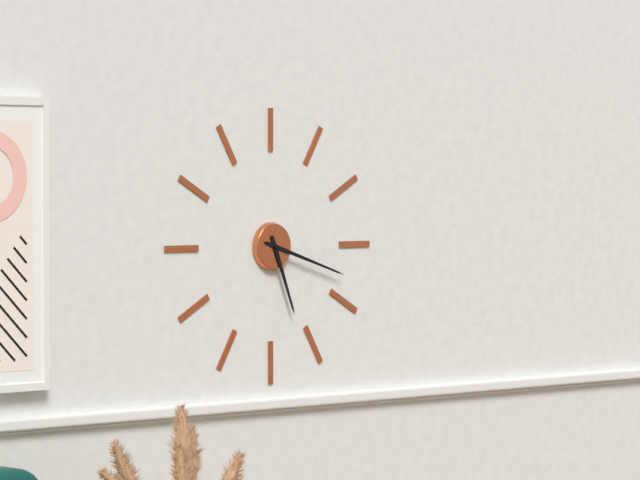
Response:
h=5 m=18
